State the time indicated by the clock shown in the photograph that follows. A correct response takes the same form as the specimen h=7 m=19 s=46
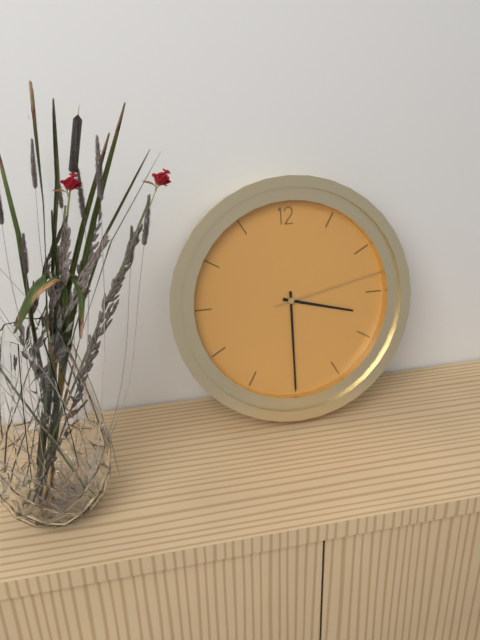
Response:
h=3 m=30 s=13
